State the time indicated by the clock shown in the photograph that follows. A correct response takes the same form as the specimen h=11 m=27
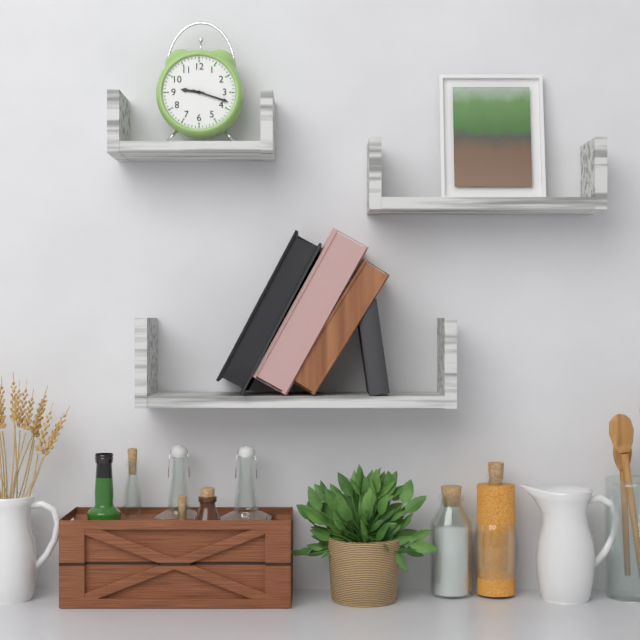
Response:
h=9 m=18
